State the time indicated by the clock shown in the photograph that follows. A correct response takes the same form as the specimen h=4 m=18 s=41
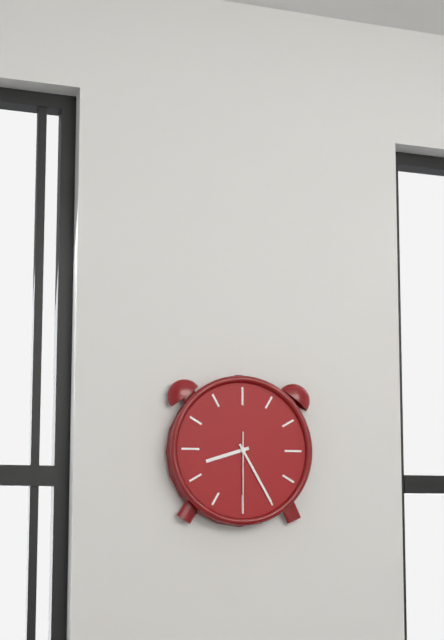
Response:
h=8 m=25 s=30
